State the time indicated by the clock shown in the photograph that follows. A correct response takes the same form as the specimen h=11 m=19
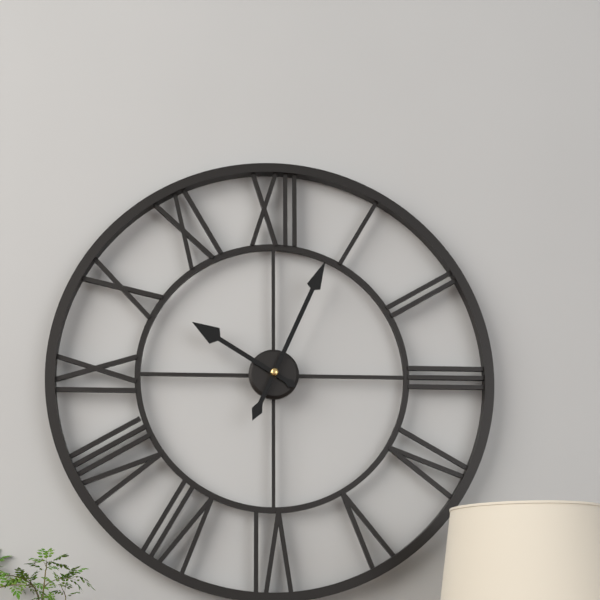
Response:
h=10 m=4
